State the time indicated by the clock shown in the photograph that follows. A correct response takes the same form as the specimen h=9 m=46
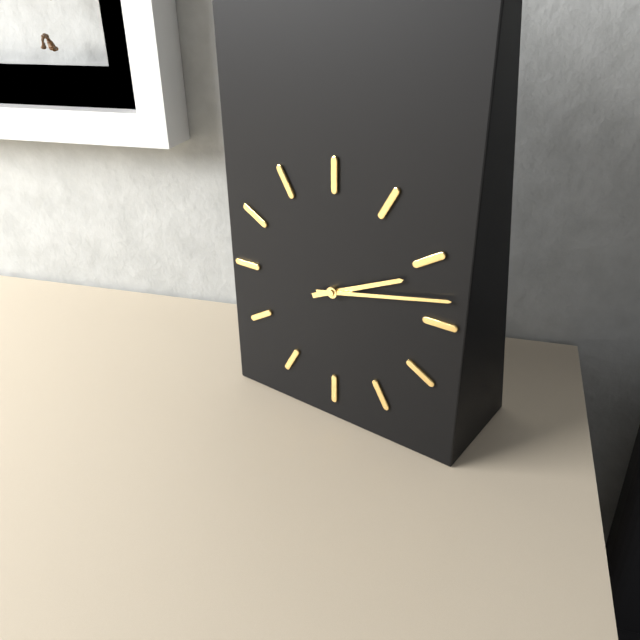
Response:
h=2 m=13
